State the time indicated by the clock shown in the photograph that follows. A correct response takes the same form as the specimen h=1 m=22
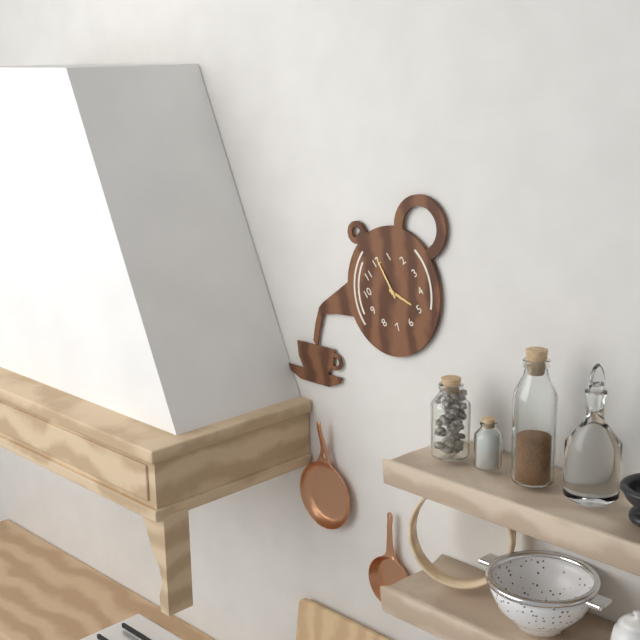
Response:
h=5 m=1
